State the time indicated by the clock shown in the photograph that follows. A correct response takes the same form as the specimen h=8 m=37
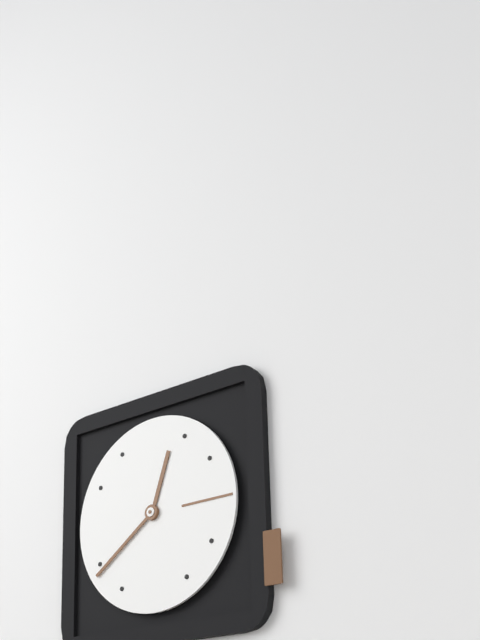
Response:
h=12 m=39
